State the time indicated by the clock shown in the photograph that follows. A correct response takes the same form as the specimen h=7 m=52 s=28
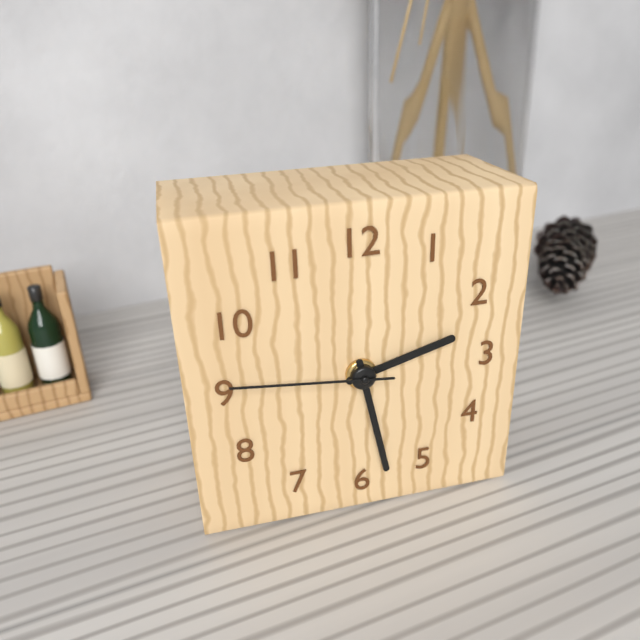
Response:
h=2 m=28 s=46
